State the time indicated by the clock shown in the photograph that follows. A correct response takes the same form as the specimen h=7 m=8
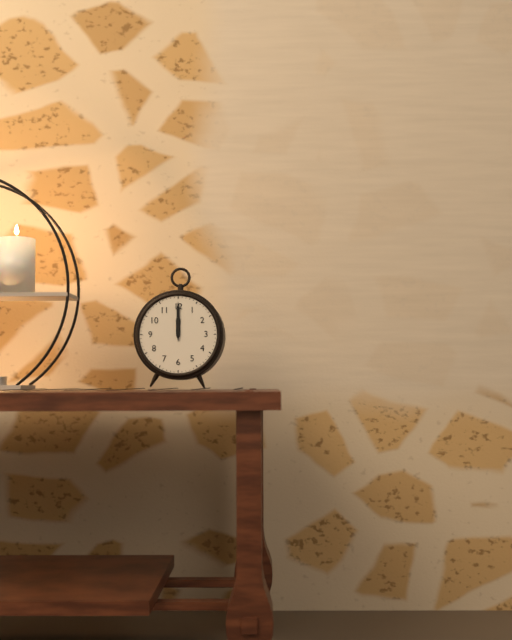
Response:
h=12 m=0
